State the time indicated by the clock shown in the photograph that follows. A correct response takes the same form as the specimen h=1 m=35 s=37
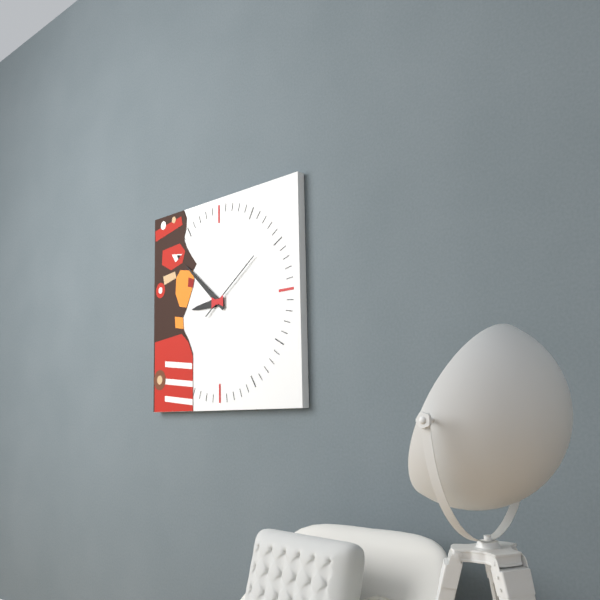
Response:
h=8 m=52 s=9
